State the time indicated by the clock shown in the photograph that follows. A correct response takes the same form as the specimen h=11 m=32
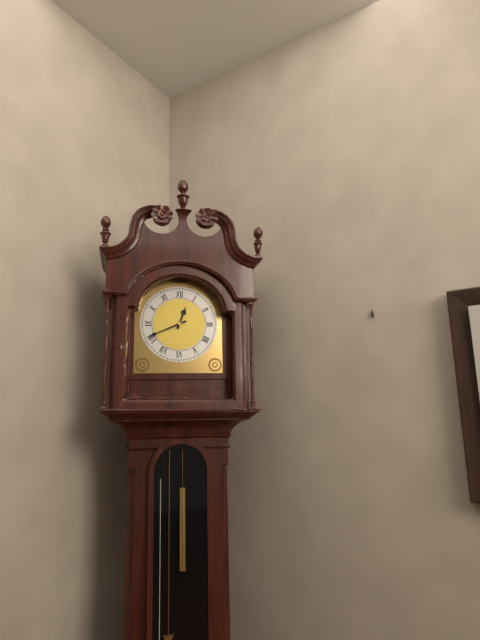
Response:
h=12 m=41
